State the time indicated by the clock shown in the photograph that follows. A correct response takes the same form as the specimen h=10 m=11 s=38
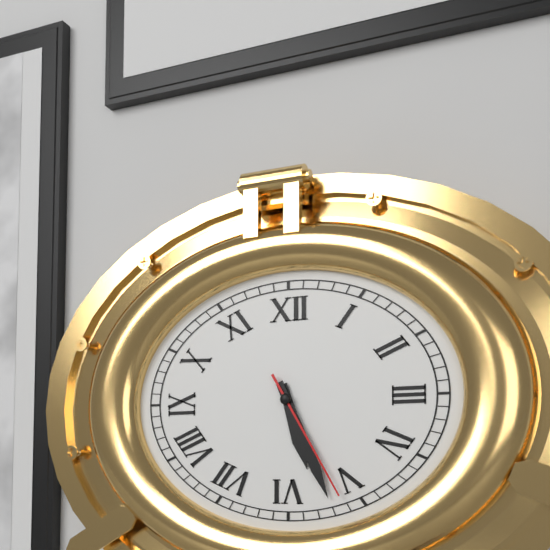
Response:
h=5 m=26 s=25
